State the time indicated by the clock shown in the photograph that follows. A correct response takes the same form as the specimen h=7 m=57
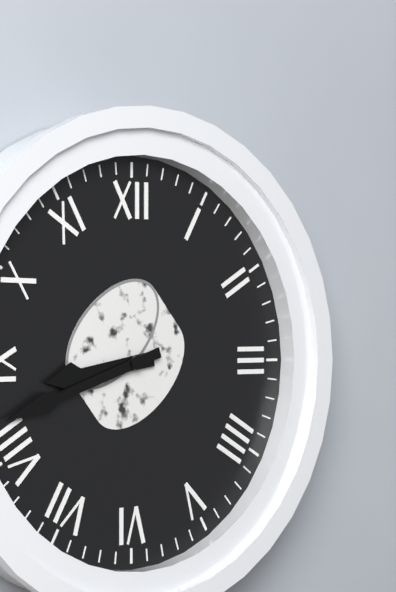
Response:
h=8 m=42
